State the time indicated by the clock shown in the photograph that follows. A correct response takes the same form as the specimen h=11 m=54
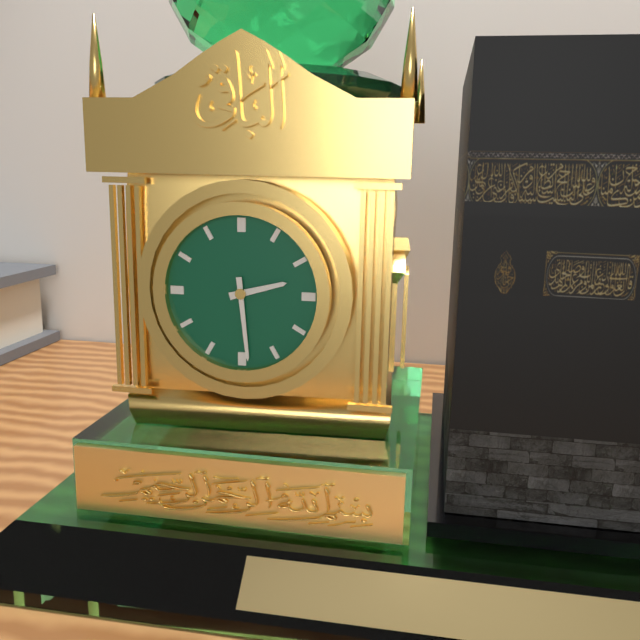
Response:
h=2 m=29
